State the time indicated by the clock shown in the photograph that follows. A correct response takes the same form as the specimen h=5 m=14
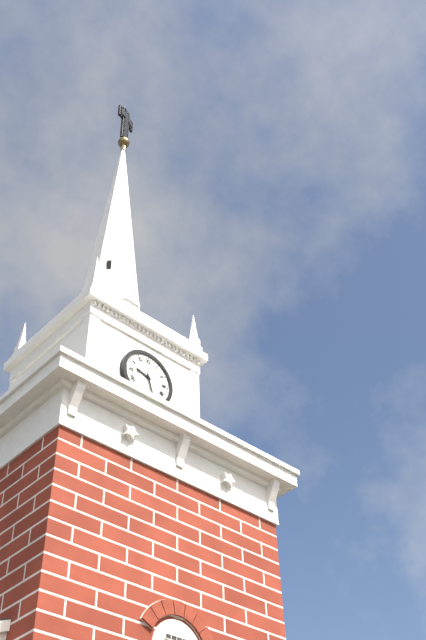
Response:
h=9 m=27
